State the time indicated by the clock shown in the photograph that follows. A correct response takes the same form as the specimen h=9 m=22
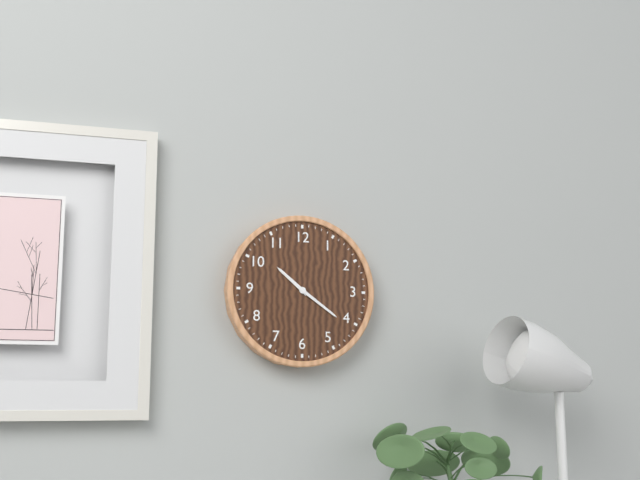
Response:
h=10 m=21
